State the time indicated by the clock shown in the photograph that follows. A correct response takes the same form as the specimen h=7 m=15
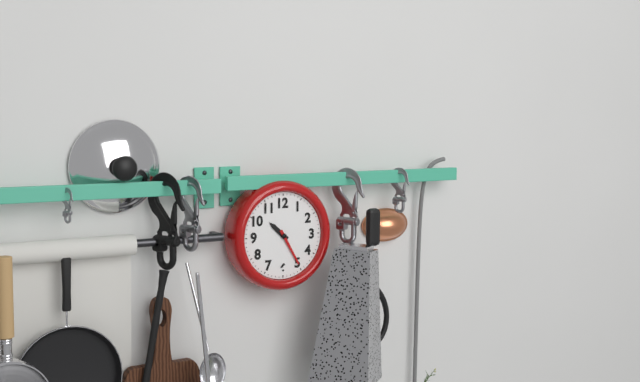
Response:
h=10 m=25
